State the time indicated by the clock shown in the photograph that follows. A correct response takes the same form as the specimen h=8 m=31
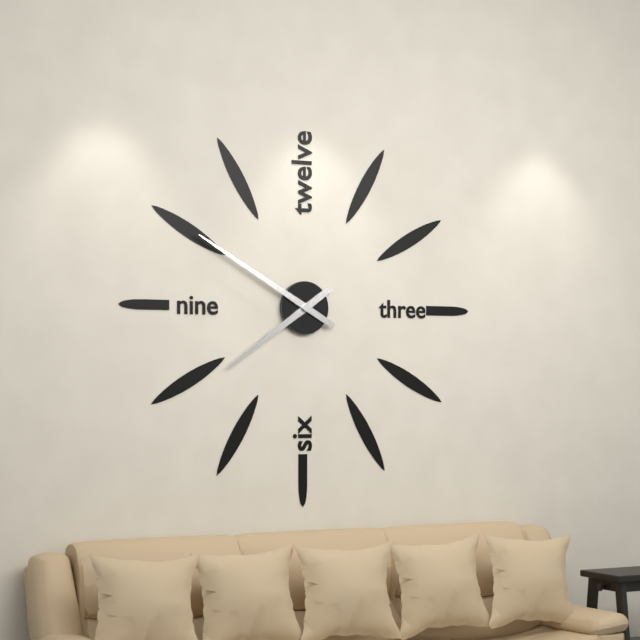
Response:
h=7 m=50
